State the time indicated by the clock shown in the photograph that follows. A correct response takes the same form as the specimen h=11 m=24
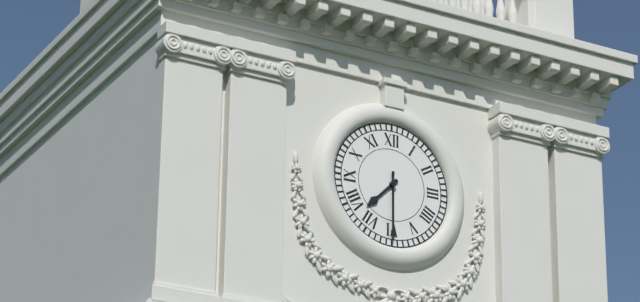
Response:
h=7 m=30
